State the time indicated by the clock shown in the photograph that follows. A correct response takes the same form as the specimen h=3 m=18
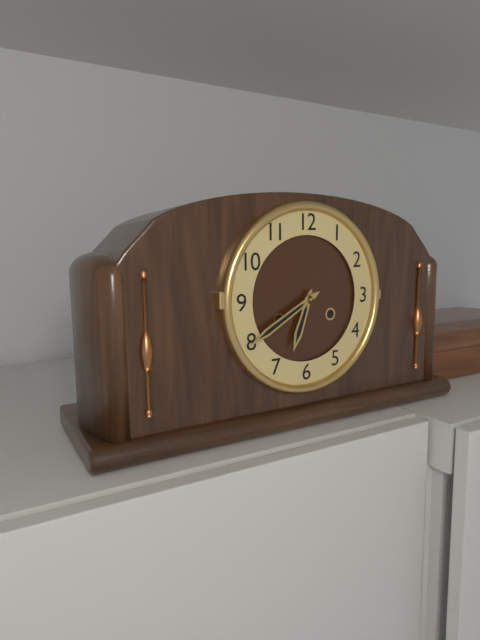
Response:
h=6 m=40
